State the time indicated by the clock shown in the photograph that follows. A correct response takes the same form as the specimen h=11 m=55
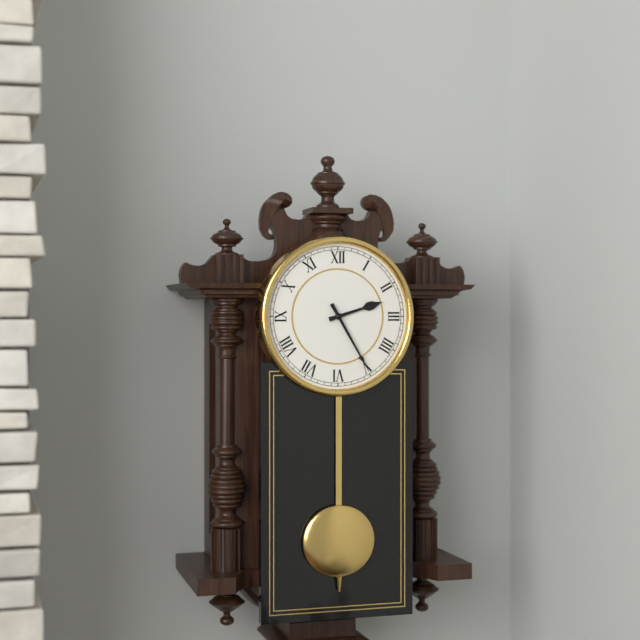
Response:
h=2 m=25
